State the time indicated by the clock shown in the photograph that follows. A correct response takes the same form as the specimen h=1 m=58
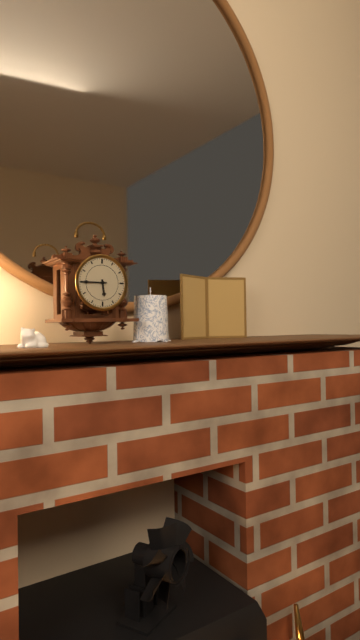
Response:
h=5 m=45
